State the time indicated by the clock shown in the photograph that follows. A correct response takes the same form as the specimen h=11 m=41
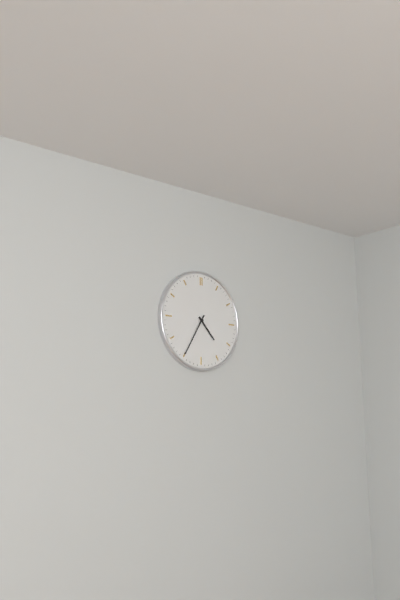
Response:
h=4 m=35
